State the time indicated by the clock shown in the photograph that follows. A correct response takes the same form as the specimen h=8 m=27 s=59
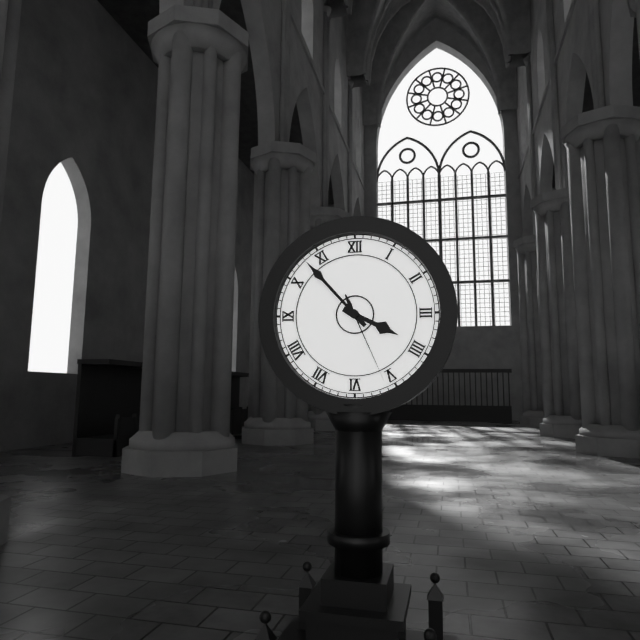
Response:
h=3 m=53 s=26
